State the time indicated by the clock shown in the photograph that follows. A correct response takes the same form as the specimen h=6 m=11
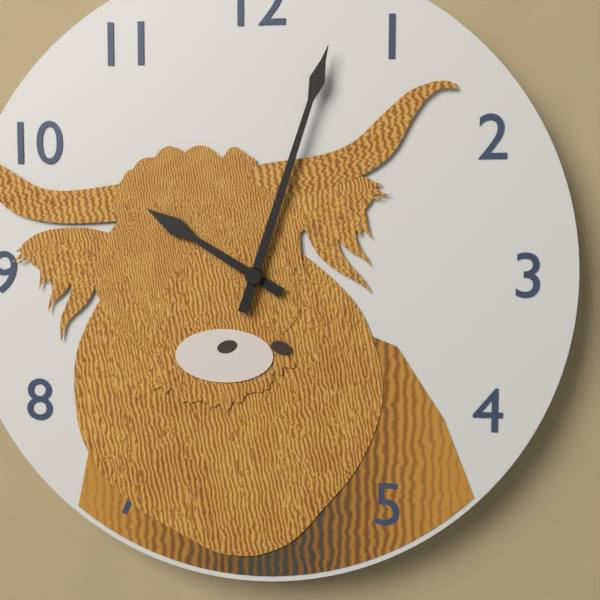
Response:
h=10 m=3
